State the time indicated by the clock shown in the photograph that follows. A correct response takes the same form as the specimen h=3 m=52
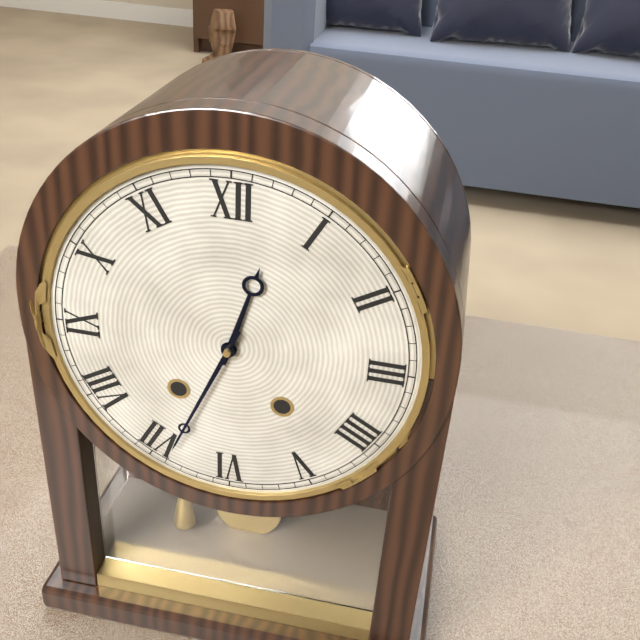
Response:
h=12 m=34
